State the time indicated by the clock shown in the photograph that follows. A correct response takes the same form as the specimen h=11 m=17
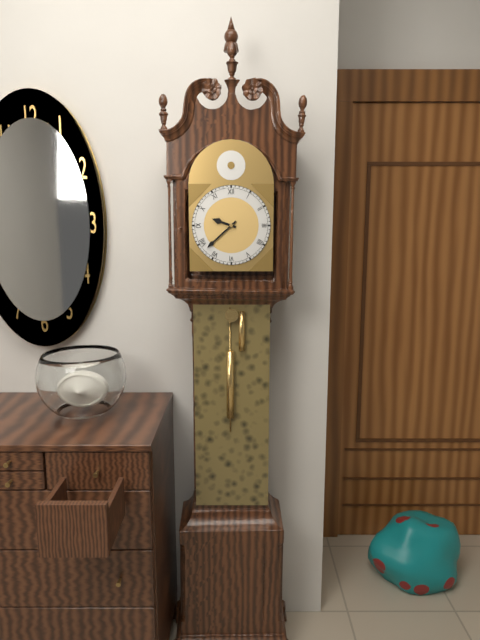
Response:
h=9 m=38
